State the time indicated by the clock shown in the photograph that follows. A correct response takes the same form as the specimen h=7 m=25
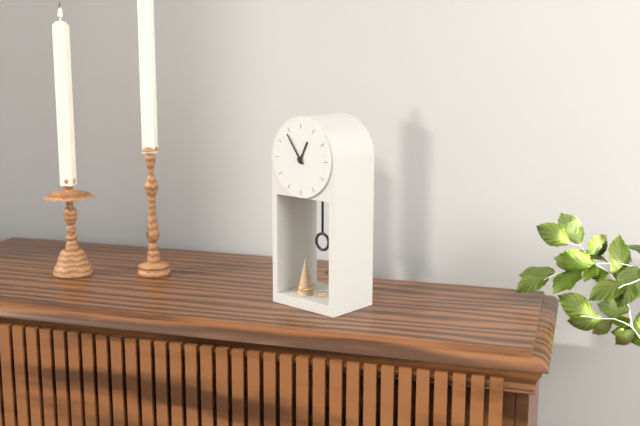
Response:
h=12 m=54
